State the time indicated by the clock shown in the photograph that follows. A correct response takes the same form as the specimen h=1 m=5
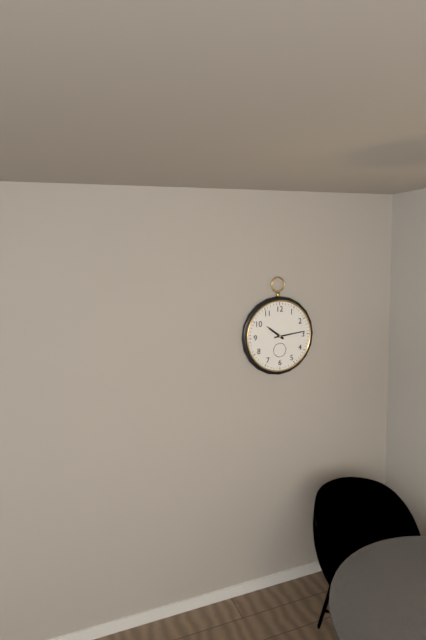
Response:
h=10 m=14
